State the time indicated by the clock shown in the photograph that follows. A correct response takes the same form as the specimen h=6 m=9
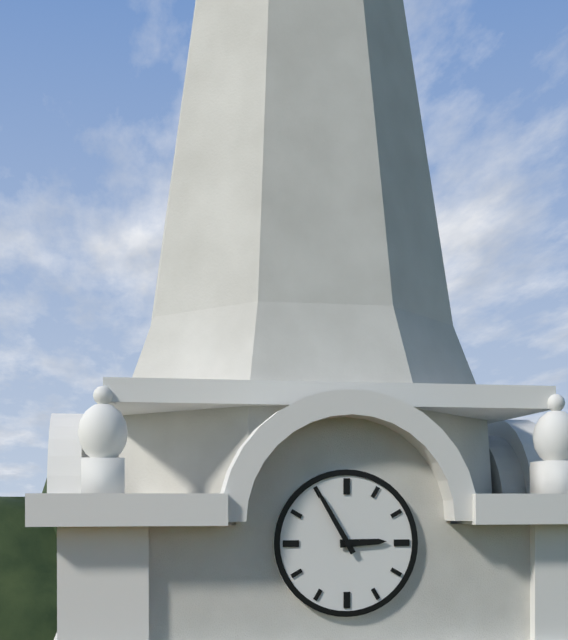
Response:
h=2 m=55
